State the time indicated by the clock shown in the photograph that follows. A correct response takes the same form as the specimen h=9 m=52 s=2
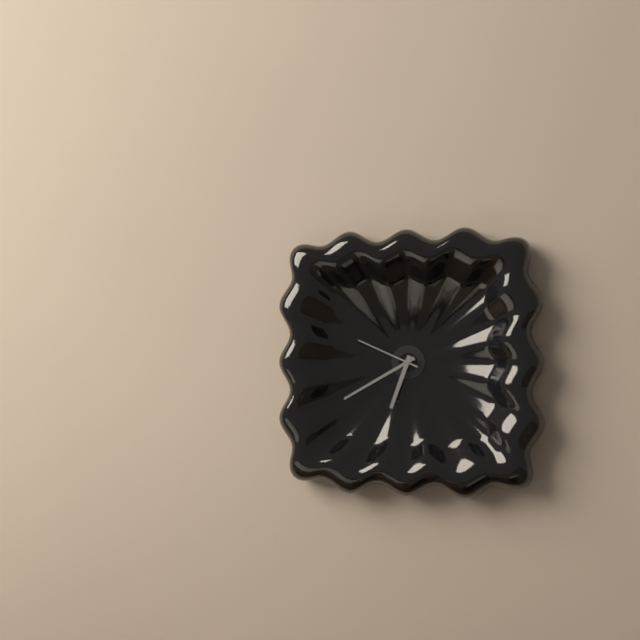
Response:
h=6 m=40 s=49
